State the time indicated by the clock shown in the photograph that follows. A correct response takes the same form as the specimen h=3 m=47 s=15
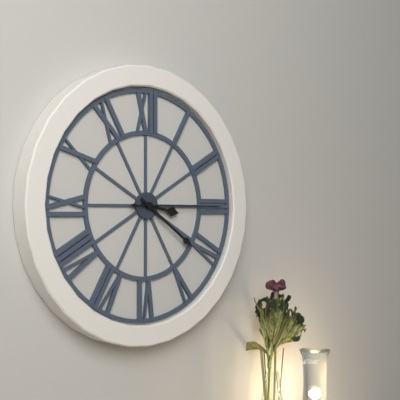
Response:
h=3 m=21 s=15
